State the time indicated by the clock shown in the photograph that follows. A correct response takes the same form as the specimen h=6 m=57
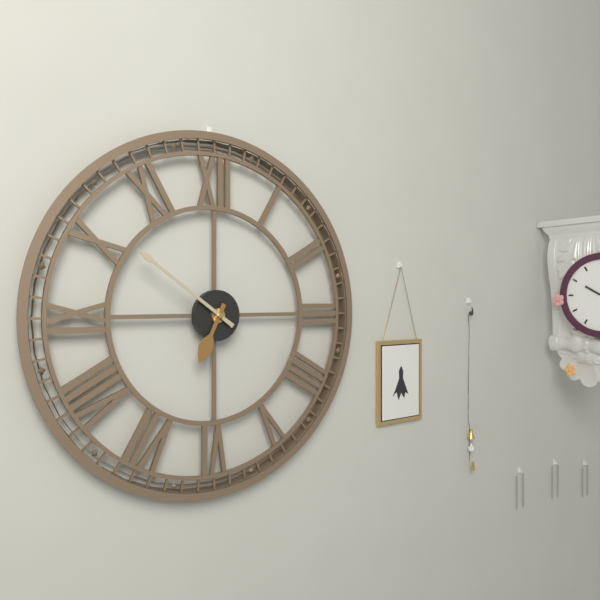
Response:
h=6 m=51
